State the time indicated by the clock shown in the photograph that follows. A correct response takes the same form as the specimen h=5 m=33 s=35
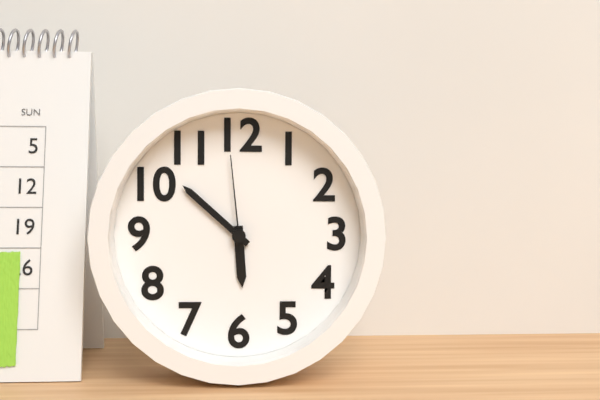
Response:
h=5 m=52 s=59
